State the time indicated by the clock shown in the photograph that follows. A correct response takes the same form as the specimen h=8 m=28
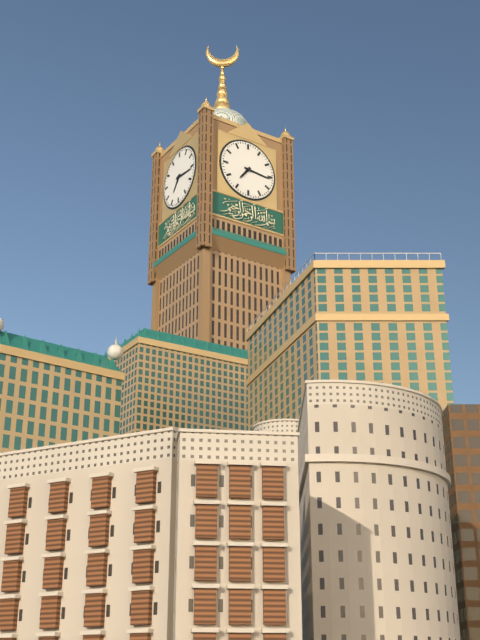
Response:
h=7 m=16
